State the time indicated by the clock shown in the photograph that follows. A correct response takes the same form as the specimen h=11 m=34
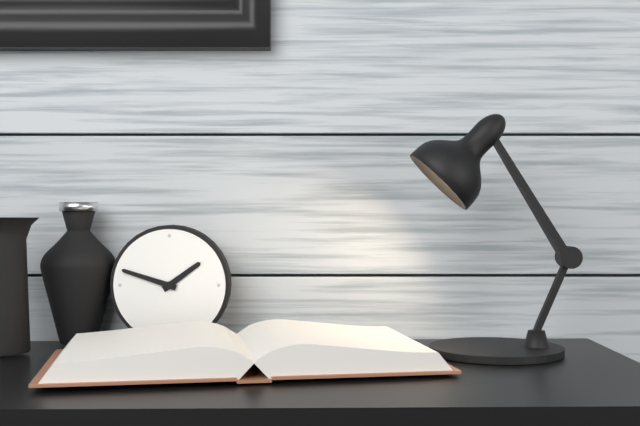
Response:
h=1 m=48
